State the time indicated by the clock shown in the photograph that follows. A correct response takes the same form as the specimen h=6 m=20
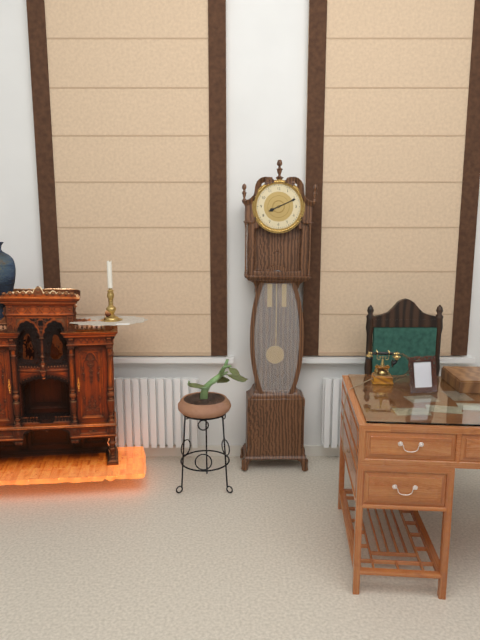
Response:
h=8 m=11
